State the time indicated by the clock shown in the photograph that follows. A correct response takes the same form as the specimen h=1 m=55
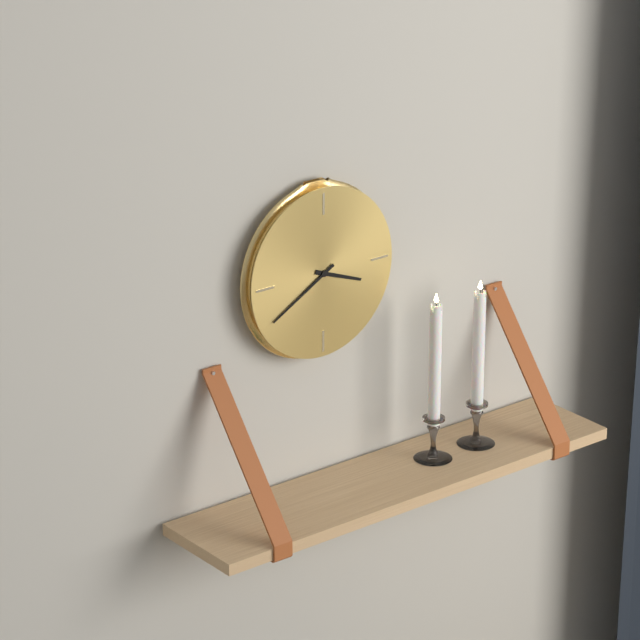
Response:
h=3 m=40
